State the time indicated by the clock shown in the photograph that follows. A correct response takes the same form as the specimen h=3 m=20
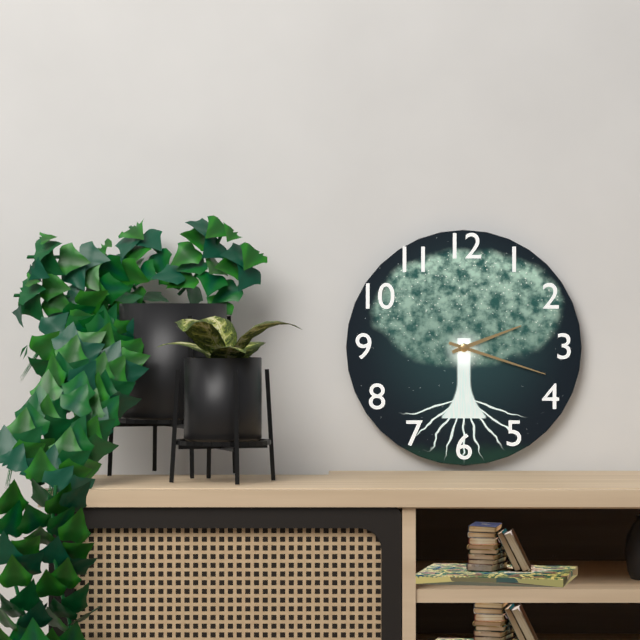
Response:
h=2 m=18
